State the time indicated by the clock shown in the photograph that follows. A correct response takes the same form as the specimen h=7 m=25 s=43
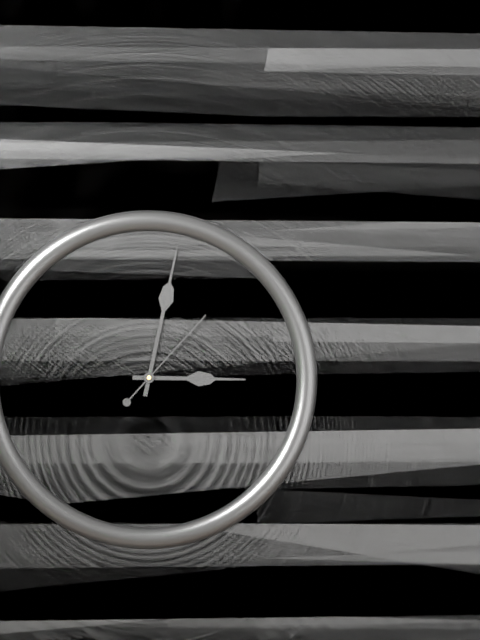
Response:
h=3 m=2 s=7
